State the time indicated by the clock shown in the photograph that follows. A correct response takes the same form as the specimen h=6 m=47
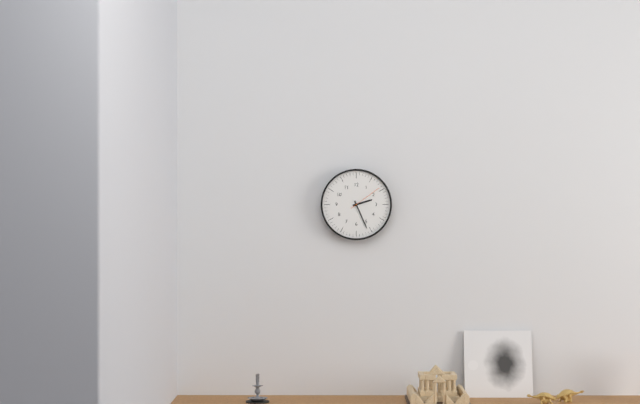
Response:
h=2 m=26
